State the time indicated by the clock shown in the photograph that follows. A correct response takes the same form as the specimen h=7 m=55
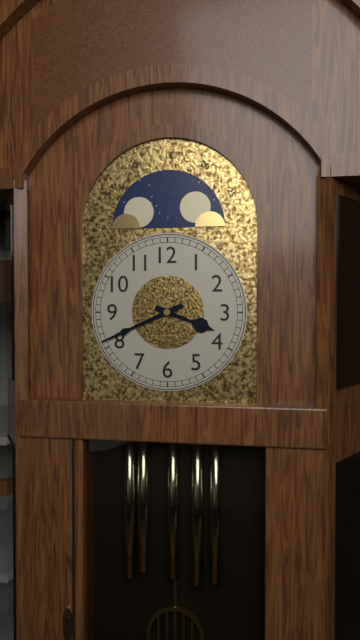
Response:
h=3 m=41
